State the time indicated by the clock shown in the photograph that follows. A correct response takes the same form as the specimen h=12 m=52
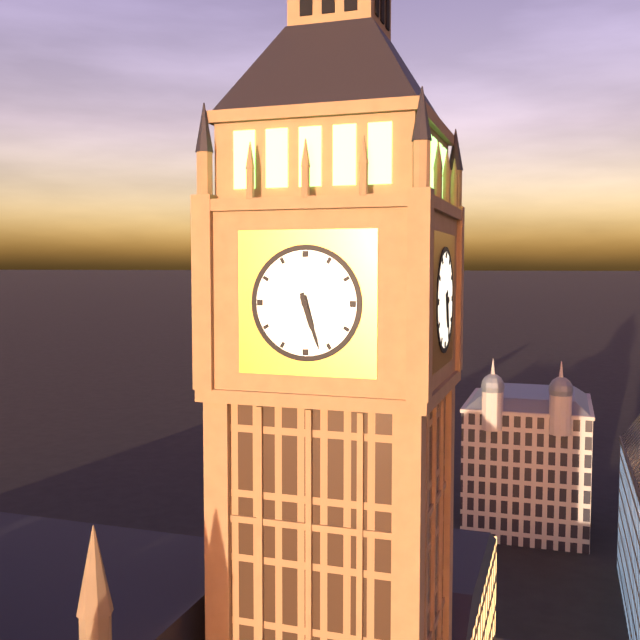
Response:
h=5 m=27
